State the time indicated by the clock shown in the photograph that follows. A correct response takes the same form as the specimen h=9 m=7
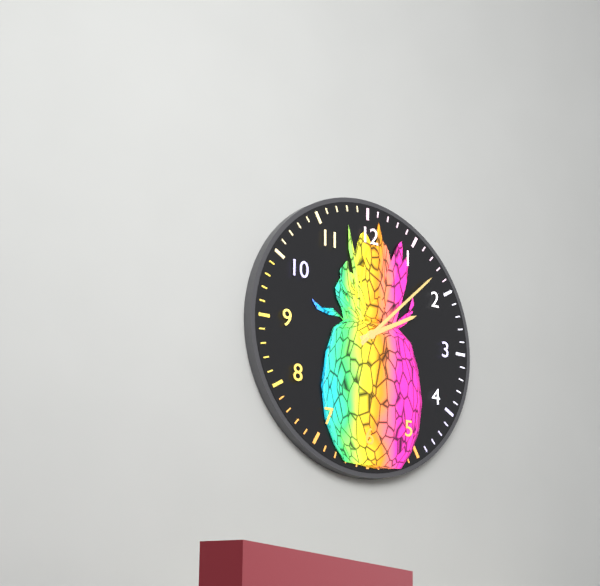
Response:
h=2 m=8
